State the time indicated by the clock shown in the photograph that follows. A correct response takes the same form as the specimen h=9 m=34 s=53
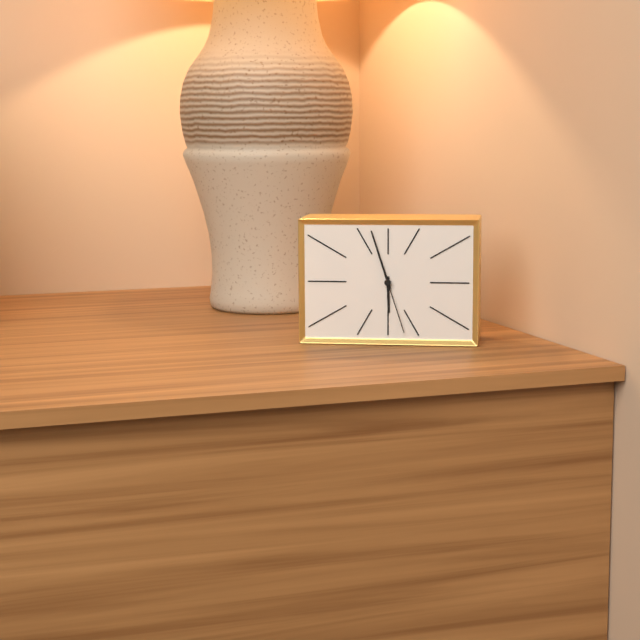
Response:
h=5 m=57 s=27
